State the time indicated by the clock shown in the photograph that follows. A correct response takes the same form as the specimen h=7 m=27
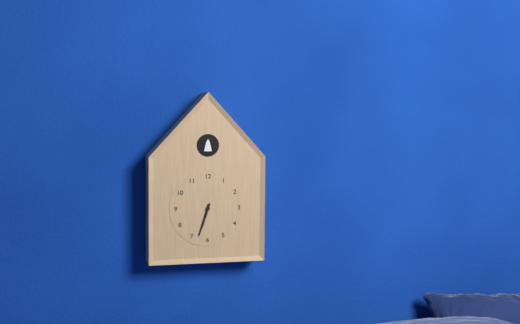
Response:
h=6 m=33
